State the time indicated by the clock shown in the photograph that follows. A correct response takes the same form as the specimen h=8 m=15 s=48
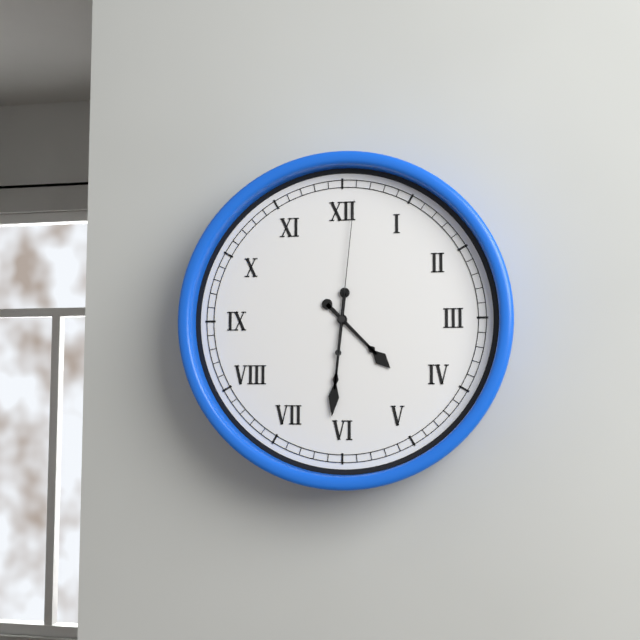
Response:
h=4 m=31 s=1
